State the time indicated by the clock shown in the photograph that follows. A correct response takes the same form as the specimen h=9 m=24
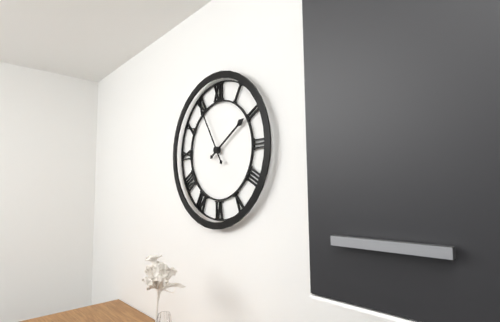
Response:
h=1 m=55
